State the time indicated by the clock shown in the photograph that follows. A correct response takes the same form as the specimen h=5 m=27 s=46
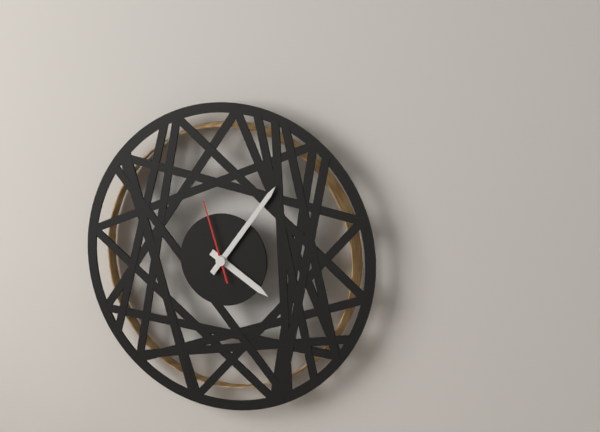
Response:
h=4 m=6 s=57
